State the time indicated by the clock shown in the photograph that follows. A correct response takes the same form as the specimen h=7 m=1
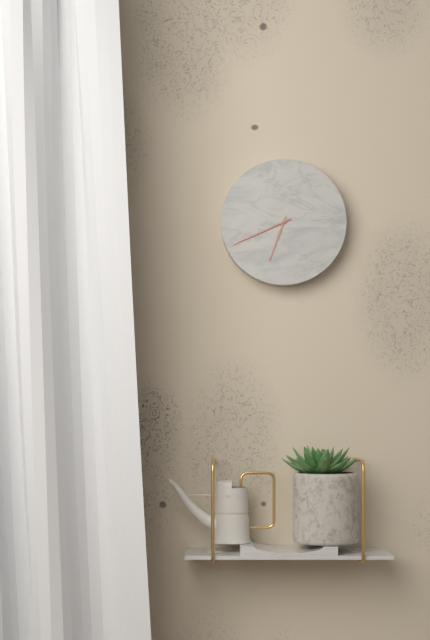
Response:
h=6 m=41
